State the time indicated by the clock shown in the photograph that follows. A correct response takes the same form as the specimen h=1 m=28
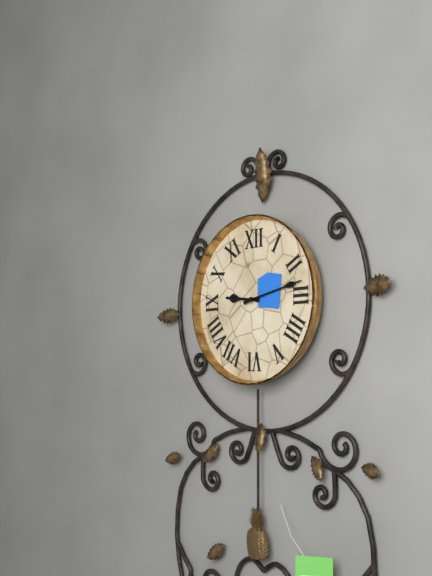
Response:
h=9 m=13
